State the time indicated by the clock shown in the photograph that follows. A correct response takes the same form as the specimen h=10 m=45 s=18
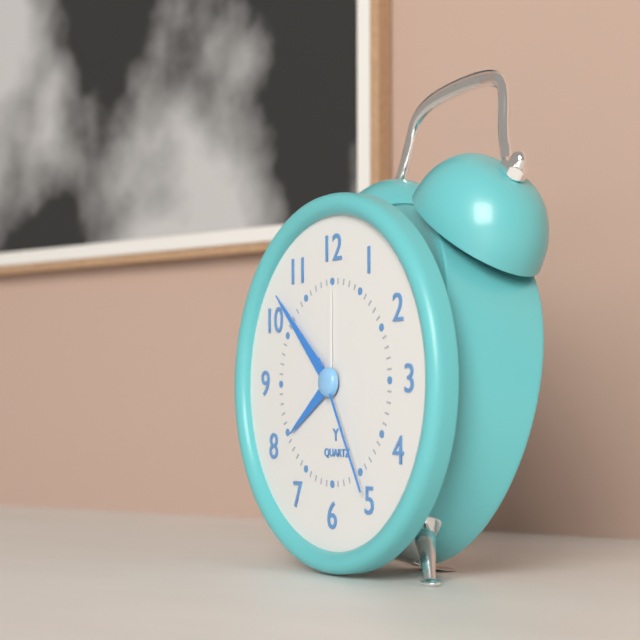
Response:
h=7 m=52 s=25
